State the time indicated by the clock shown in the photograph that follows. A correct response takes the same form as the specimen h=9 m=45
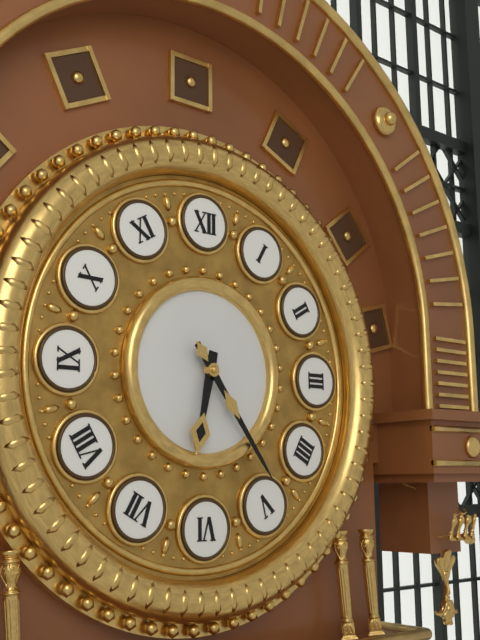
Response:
h=6 m=24
